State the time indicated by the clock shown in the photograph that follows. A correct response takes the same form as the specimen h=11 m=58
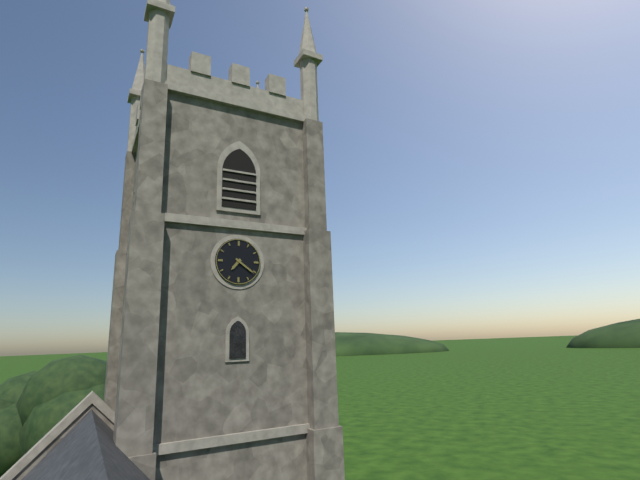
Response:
h=7 m=21
